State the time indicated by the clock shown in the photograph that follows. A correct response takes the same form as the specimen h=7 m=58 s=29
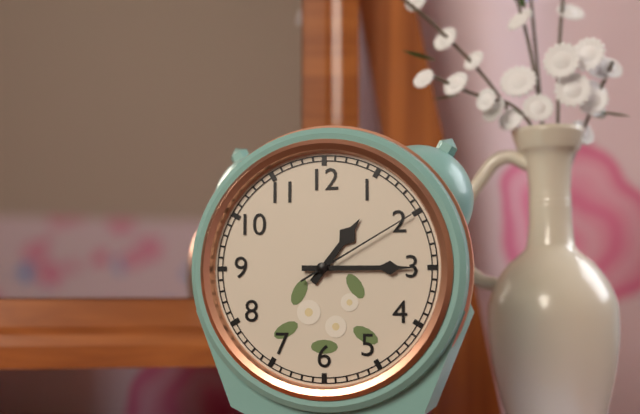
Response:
h=1 m=15 s=10
